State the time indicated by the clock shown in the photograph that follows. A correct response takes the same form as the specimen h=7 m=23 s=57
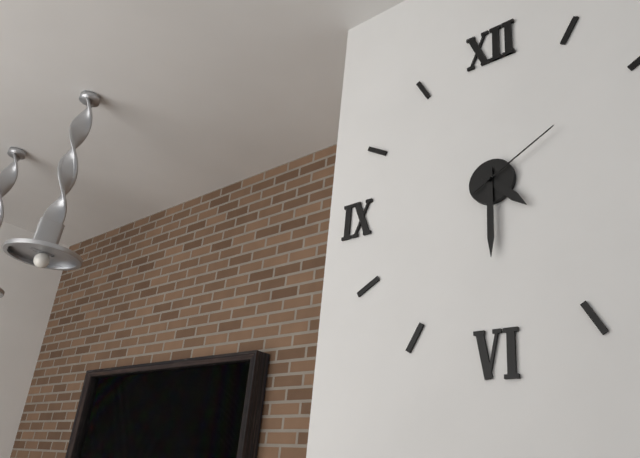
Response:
h=4 m=30 s=10
